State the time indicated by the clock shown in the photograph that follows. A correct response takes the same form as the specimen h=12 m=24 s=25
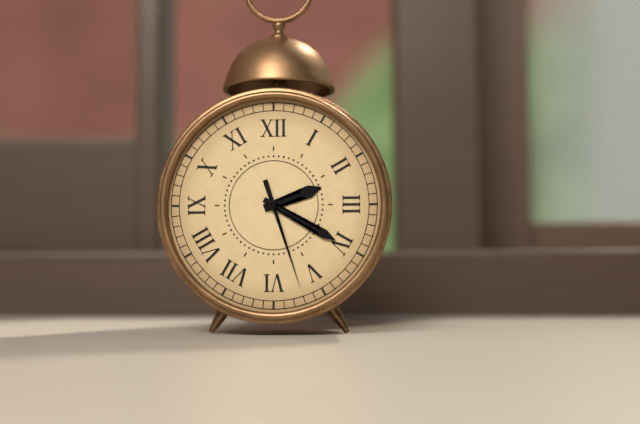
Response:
h=2 m=20 s=27
